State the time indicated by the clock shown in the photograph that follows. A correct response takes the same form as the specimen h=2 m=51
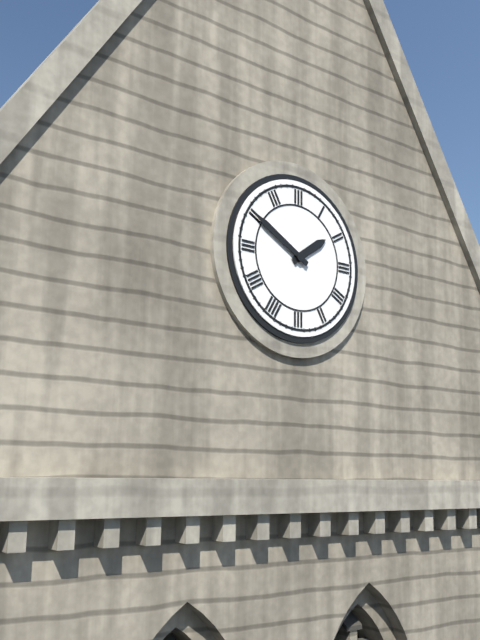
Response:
h=1 m=50
